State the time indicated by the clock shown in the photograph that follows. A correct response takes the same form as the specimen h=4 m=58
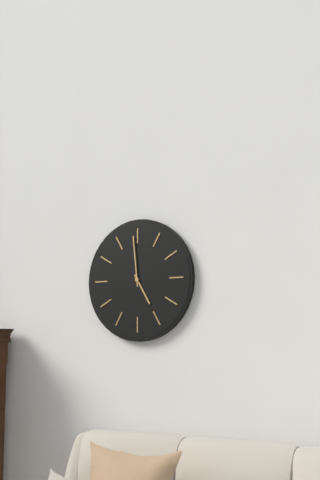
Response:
h=4 m=59
